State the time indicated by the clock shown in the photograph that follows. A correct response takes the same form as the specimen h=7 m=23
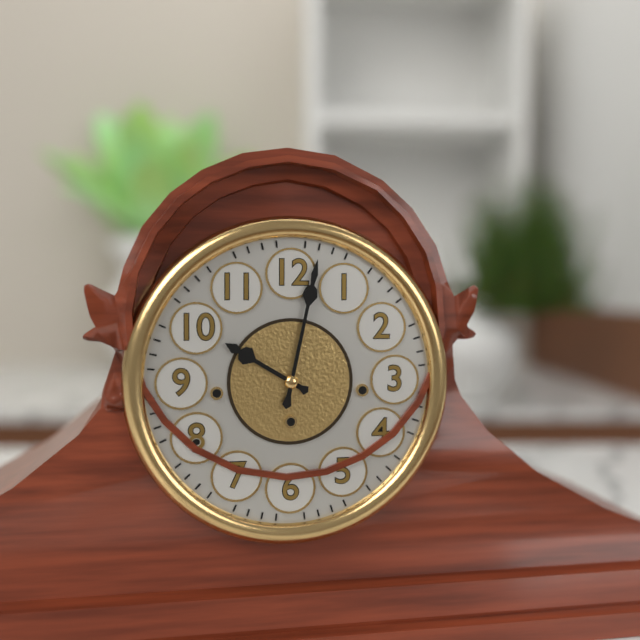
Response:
h=10 m=2
